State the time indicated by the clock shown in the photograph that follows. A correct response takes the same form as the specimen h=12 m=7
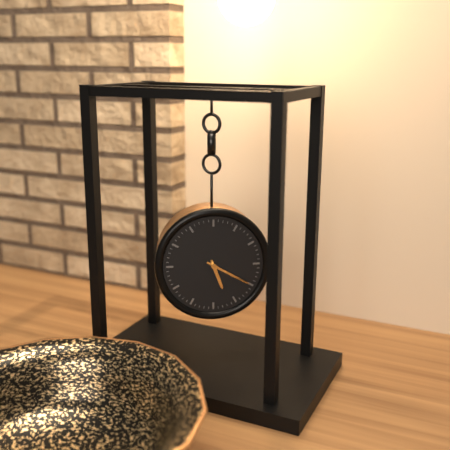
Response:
h=5 m=20
